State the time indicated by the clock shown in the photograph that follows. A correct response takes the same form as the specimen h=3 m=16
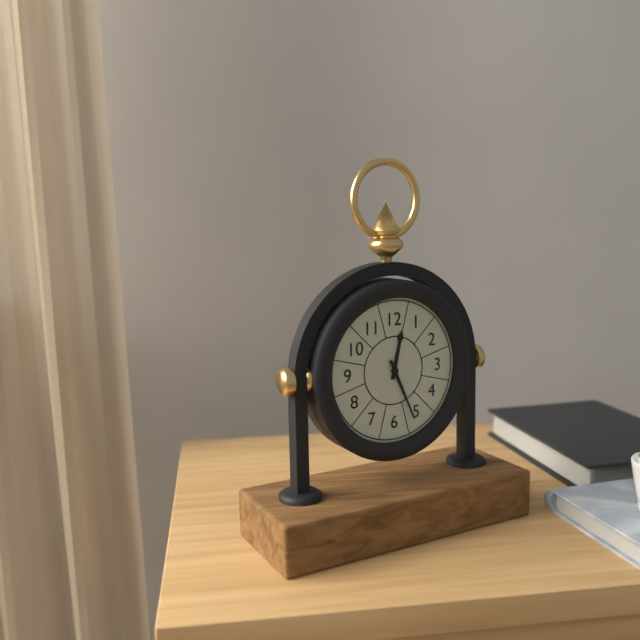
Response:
h=12 m=26
